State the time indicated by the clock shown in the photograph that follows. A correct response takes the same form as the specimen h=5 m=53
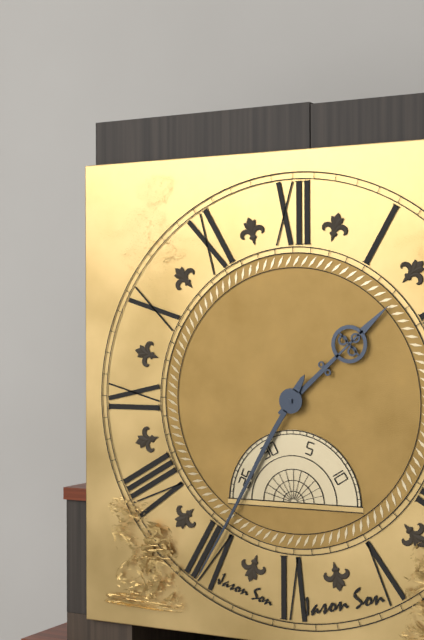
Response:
h=1 m=35
